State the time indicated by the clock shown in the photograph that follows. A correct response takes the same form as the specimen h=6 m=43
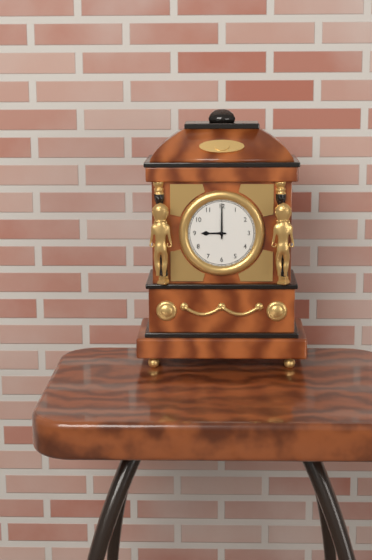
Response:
h=9 m=0
